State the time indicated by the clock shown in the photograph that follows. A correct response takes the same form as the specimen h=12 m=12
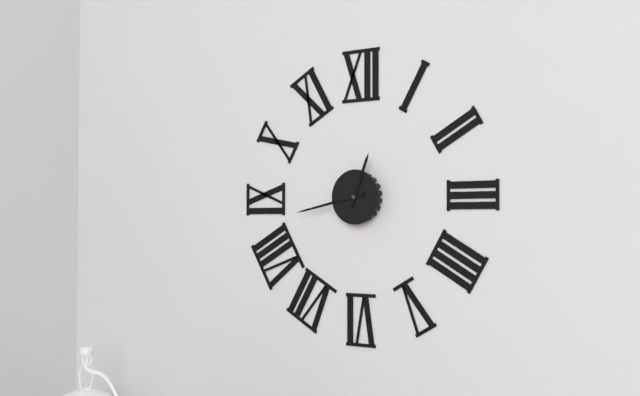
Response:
h=12 m=43
